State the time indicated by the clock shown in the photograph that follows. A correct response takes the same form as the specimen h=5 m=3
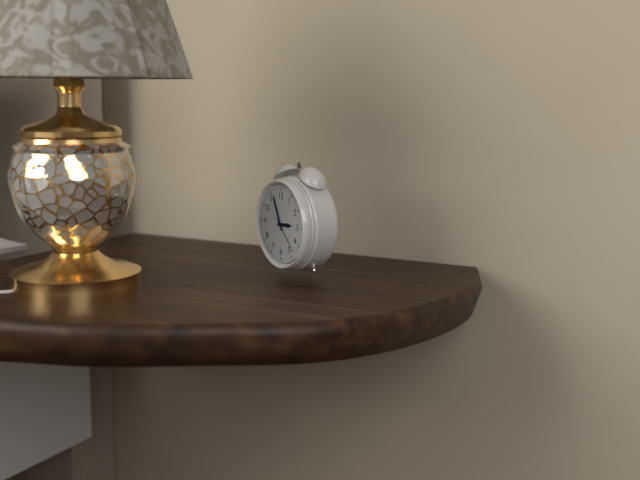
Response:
h=2 m=56
